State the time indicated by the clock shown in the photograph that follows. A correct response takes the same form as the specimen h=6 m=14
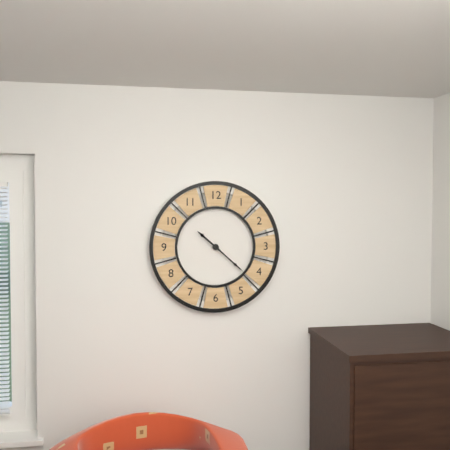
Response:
h=10 m=22
